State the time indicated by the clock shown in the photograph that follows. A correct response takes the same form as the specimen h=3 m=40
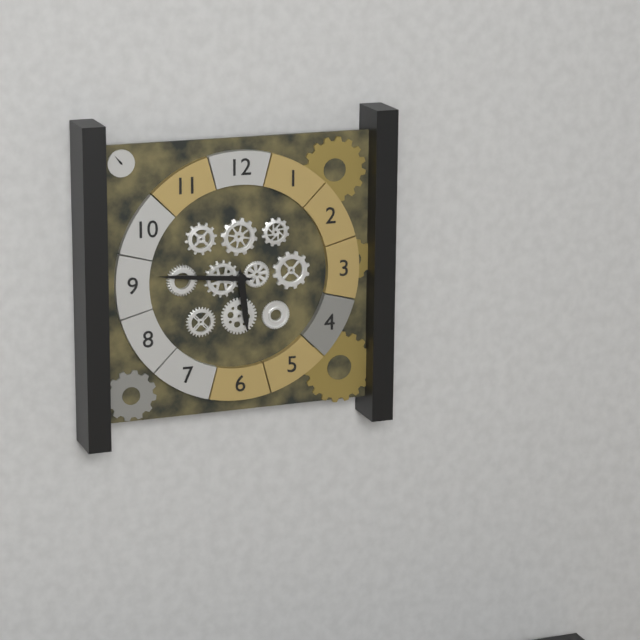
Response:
h=5 m=46
